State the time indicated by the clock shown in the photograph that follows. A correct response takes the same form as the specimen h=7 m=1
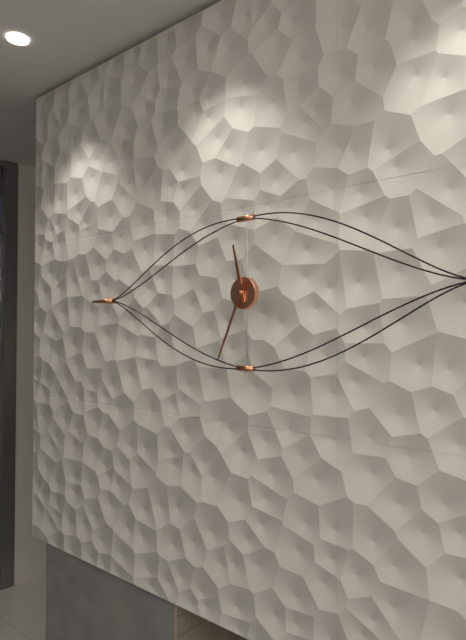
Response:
h=11 m=34
